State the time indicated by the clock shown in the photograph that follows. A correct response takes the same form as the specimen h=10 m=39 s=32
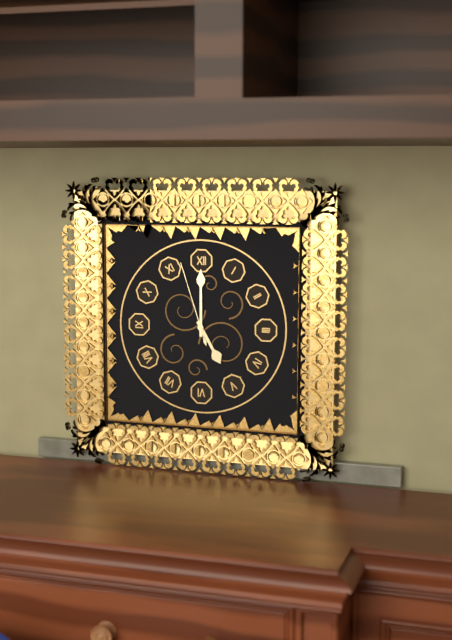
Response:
h=5 m=0 s=57
